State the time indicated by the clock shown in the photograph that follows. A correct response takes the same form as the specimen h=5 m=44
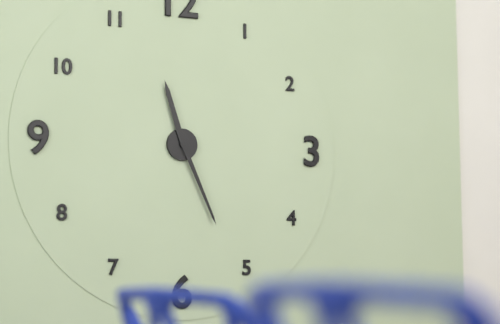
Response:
h=11 m=26
